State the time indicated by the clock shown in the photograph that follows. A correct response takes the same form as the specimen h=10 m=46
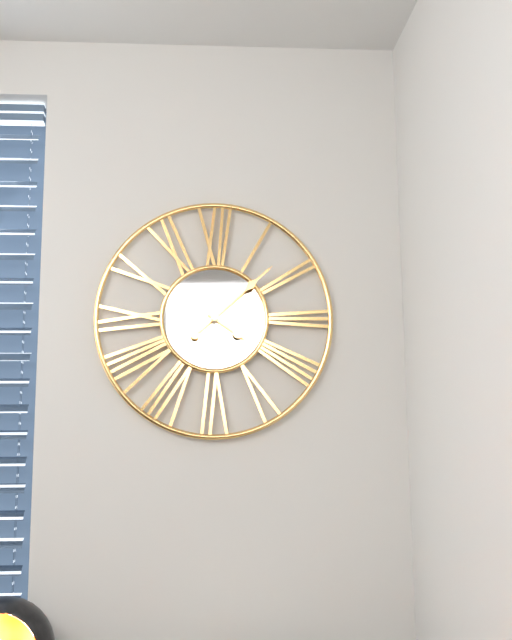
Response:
h=4 m=8
